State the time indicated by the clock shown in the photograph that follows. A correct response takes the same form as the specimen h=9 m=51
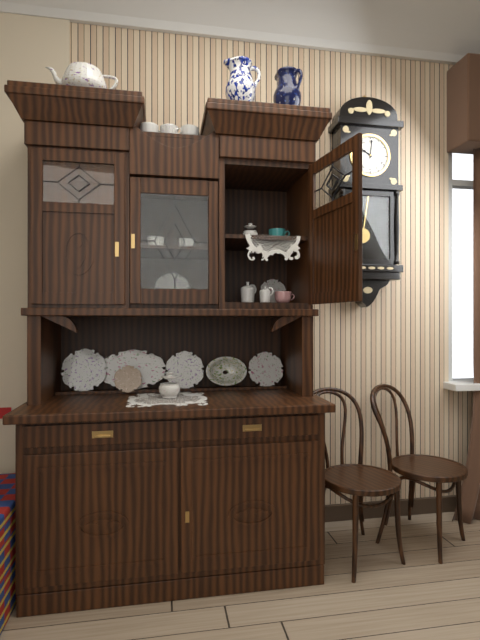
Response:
h=10 m=1
